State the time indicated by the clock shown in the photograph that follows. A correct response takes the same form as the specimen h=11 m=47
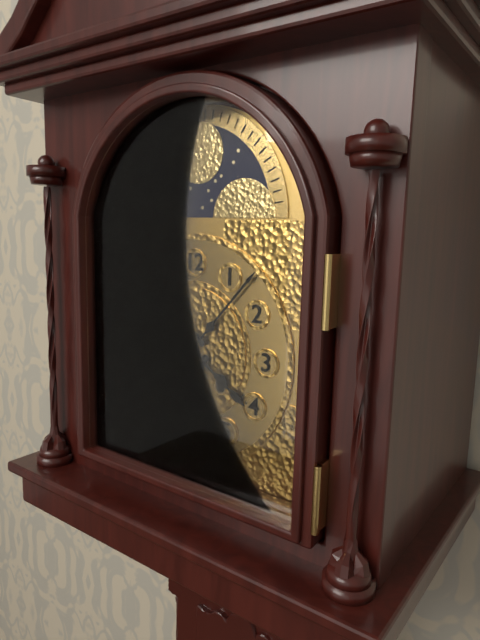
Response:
h=4 m=7
